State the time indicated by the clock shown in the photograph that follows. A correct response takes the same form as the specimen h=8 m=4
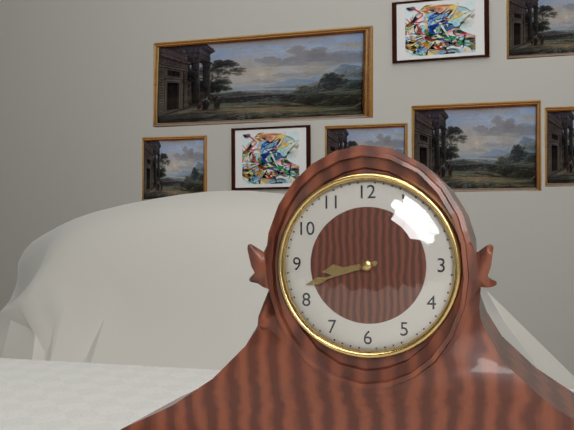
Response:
h=8 m=42
